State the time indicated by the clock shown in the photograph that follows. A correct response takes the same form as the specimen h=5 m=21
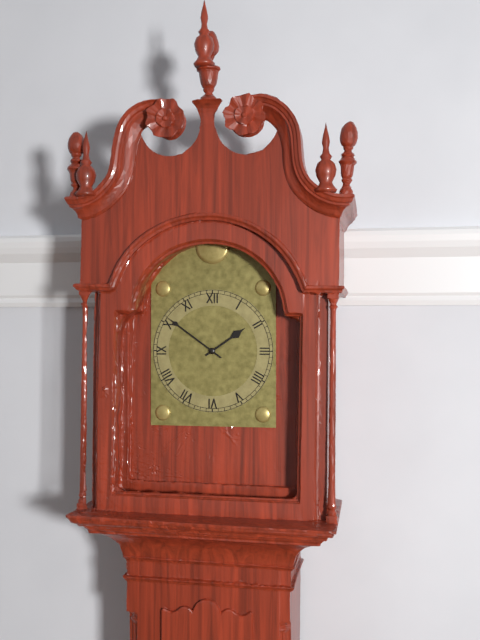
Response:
h=1 m=51
